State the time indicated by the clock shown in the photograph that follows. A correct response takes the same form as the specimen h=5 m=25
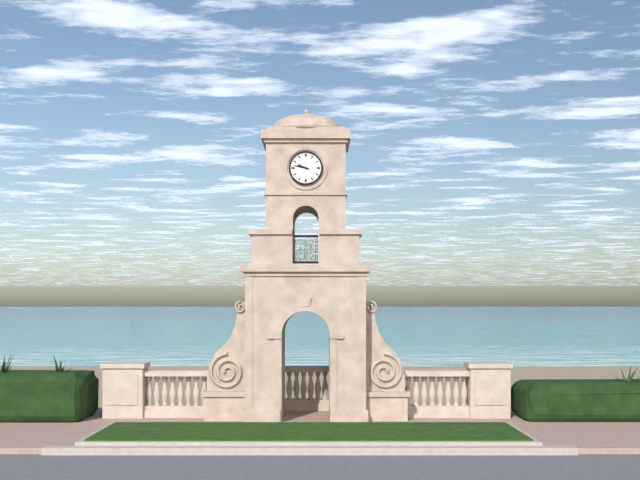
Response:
h=9 m=47
